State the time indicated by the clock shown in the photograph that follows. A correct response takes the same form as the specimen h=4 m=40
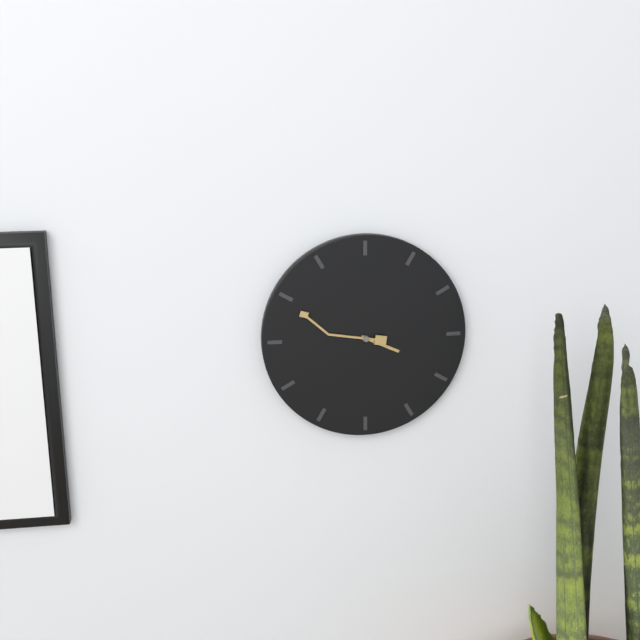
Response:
h=3 m=49
